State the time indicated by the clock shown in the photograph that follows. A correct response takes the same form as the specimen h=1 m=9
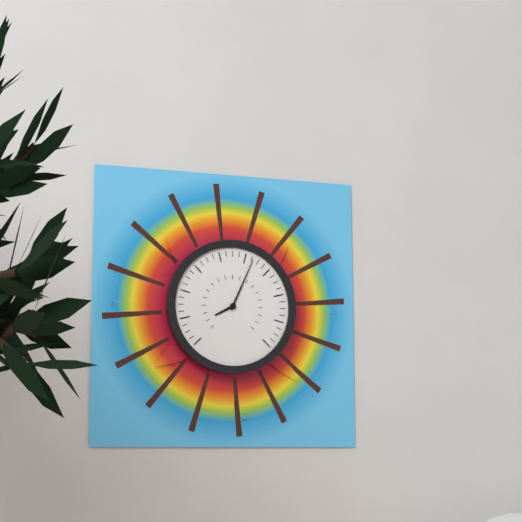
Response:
h=8 m=4
